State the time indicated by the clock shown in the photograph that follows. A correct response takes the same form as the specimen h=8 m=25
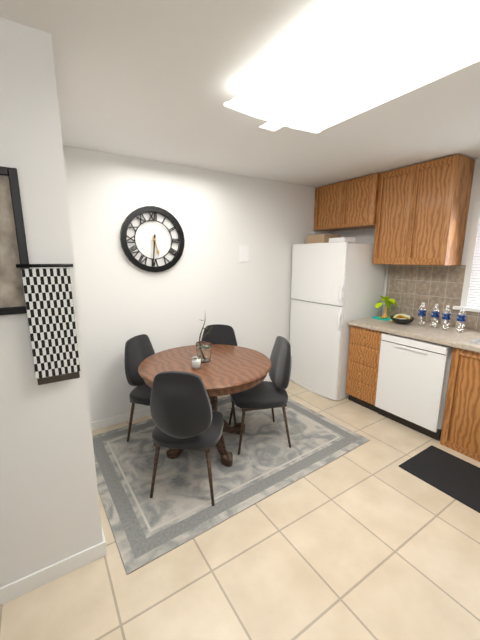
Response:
h=5 m=31
